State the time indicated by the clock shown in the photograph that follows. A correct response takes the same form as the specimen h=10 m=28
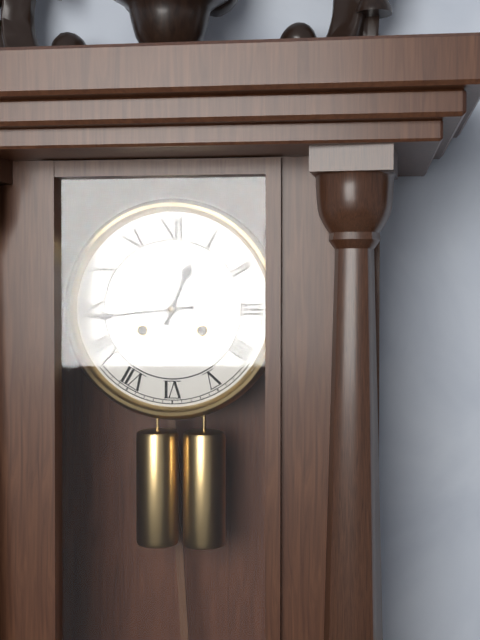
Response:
h=12 m=44
